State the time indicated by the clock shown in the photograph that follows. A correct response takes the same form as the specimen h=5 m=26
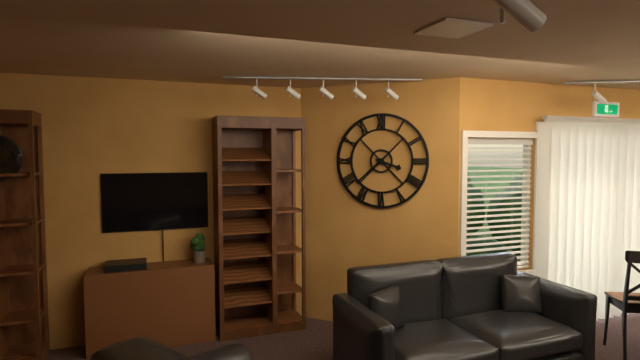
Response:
h=3 m=38
